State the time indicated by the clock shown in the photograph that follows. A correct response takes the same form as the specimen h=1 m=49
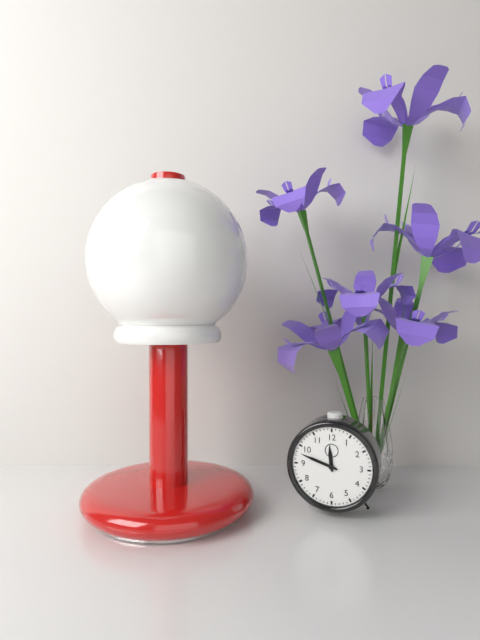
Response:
h=11 m=48
